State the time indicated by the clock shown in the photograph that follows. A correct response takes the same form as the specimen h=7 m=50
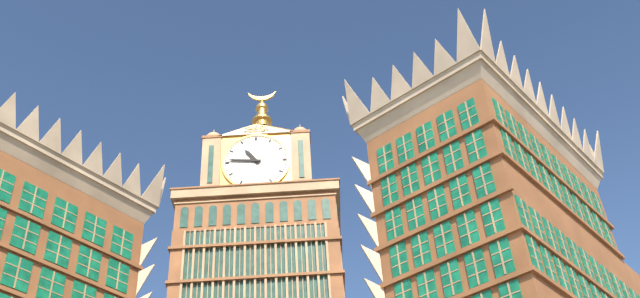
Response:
h=10 m=46
